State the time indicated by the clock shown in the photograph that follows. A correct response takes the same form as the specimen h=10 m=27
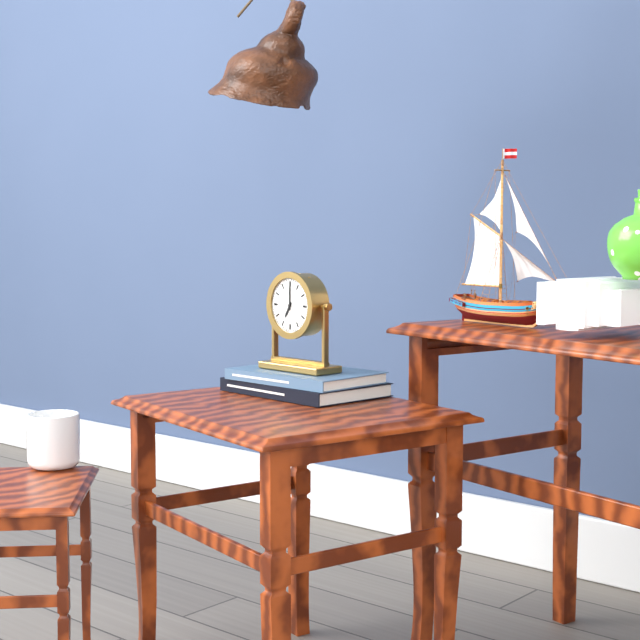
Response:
h=7 m=0
